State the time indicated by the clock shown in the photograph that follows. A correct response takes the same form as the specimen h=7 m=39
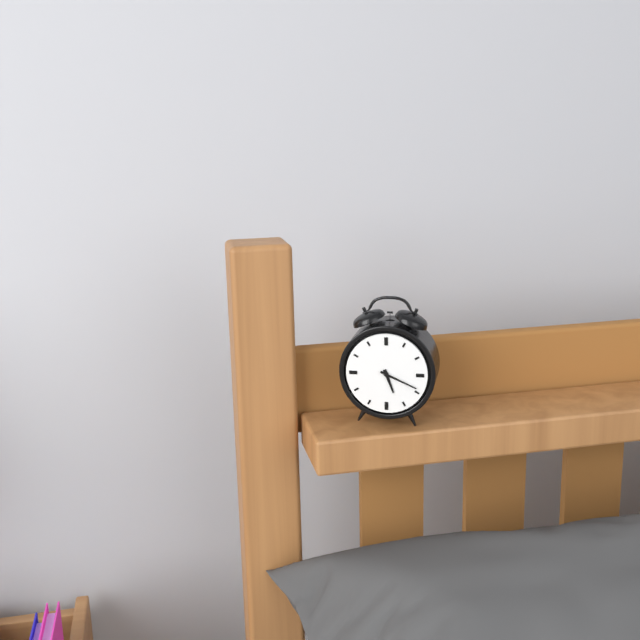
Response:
h=5 m=19
